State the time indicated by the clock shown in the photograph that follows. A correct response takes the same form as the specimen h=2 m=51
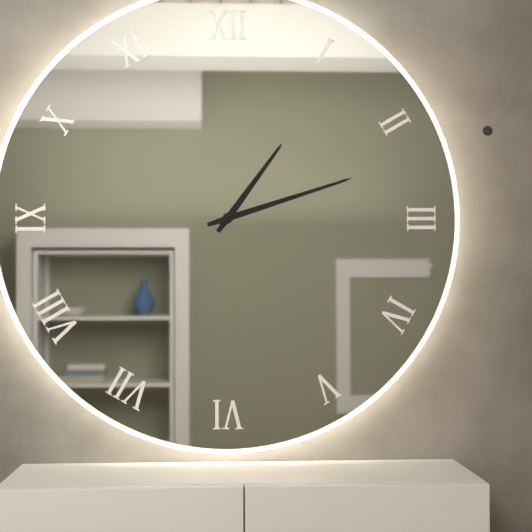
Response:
h=1 m=12
